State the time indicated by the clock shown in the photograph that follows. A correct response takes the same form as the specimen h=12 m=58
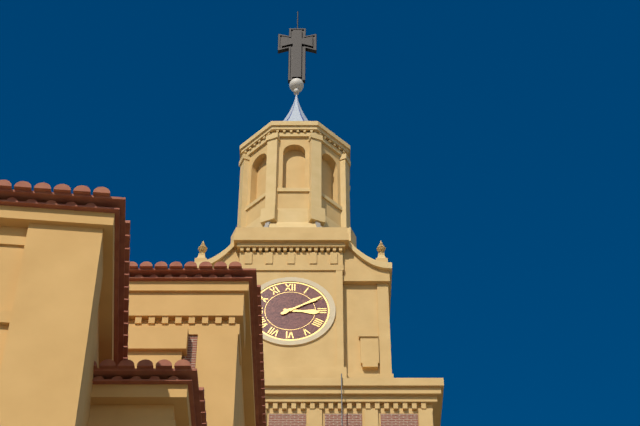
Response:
h=3 m=10
